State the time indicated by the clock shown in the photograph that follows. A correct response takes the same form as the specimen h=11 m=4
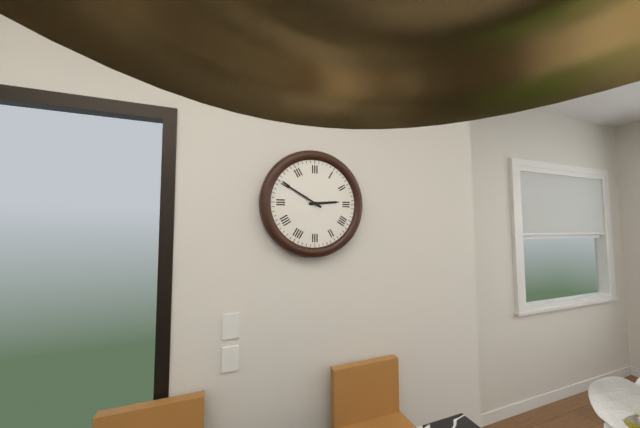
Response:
h=2 m=50
